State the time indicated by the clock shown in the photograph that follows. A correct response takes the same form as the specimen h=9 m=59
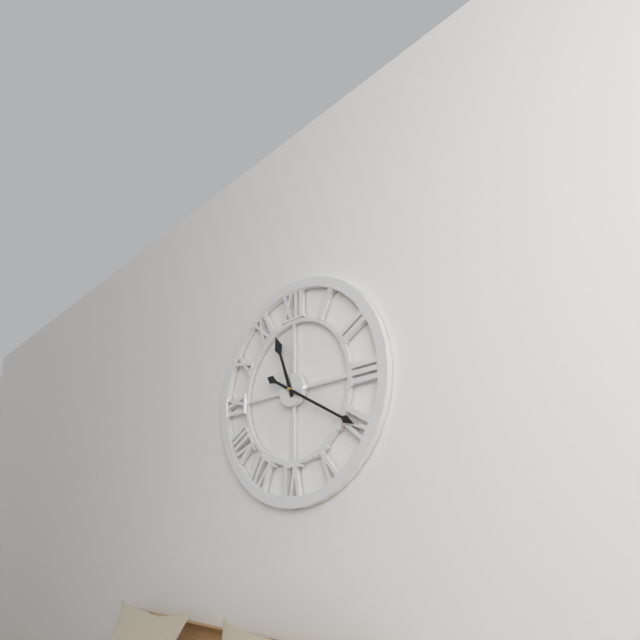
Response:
h=11 m=20
